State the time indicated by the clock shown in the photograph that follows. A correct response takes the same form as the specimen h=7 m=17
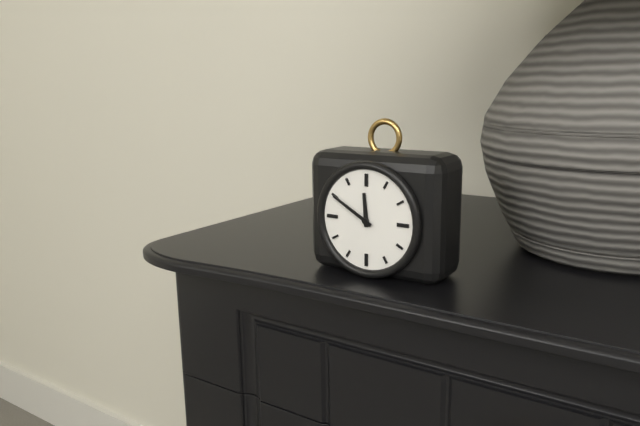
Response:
h=11 m=50
